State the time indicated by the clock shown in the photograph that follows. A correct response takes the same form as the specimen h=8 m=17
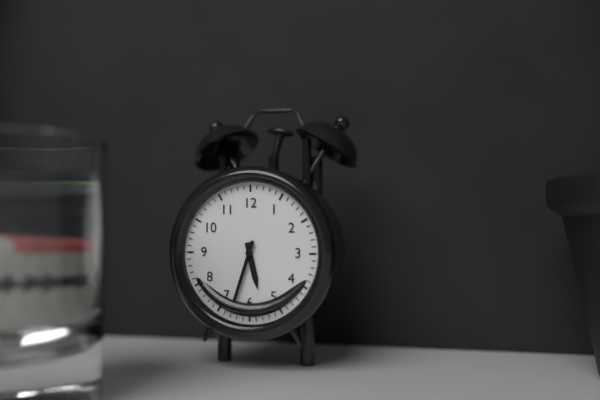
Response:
h=5 m=33
